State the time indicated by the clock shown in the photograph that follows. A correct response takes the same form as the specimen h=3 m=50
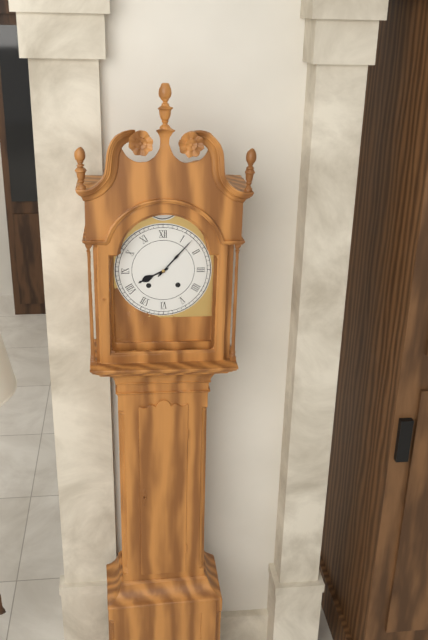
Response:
h=8 m=7
